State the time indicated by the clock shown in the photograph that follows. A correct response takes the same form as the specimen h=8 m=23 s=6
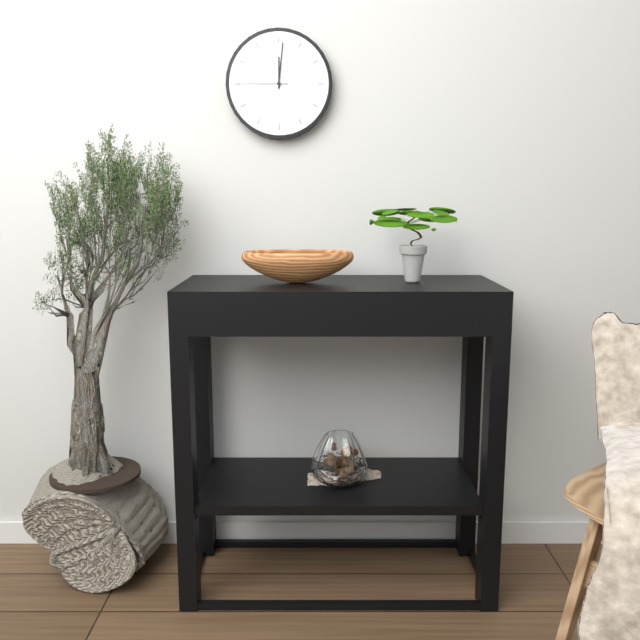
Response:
h=12 m=1 s=45
